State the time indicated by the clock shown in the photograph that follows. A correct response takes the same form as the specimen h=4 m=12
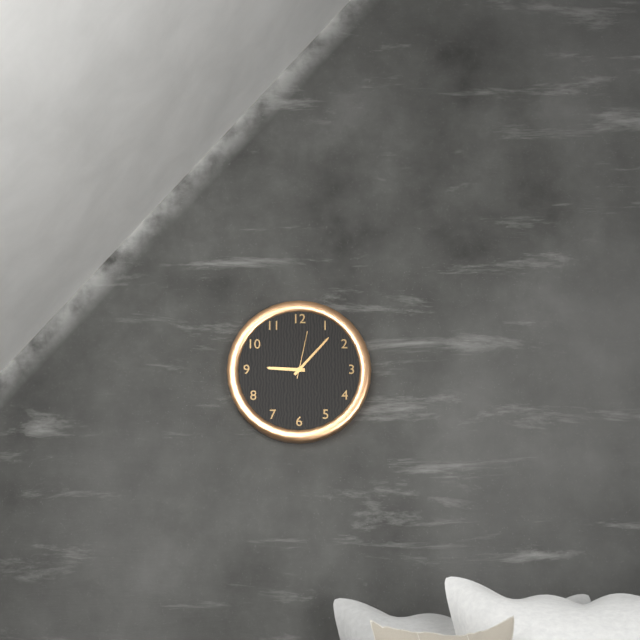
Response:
h=9 m=7
